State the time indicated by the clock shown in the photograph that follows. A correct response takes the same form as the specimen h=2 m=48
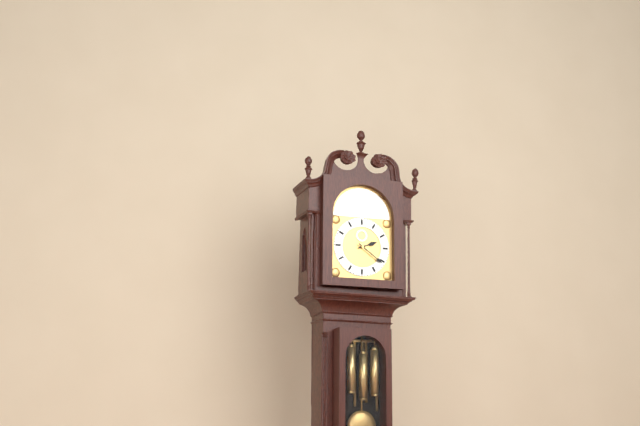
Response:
h=2 m=21
